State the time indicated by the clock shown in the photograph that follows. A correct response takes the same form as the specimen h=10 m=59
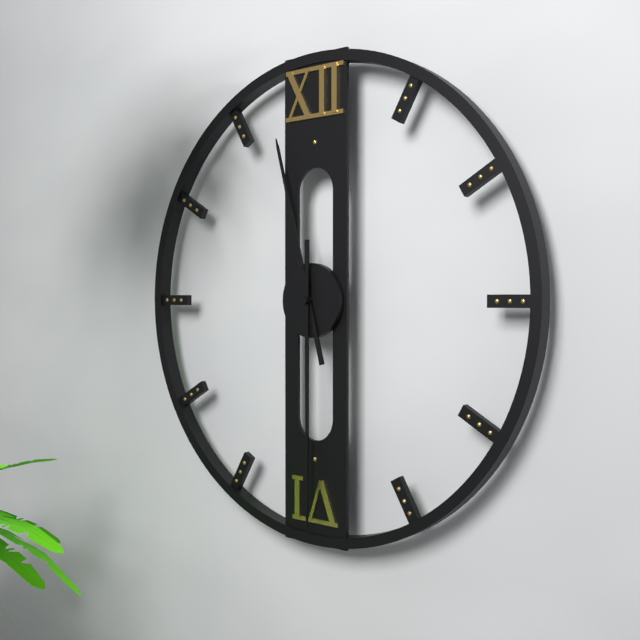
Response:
h=11 m=30
